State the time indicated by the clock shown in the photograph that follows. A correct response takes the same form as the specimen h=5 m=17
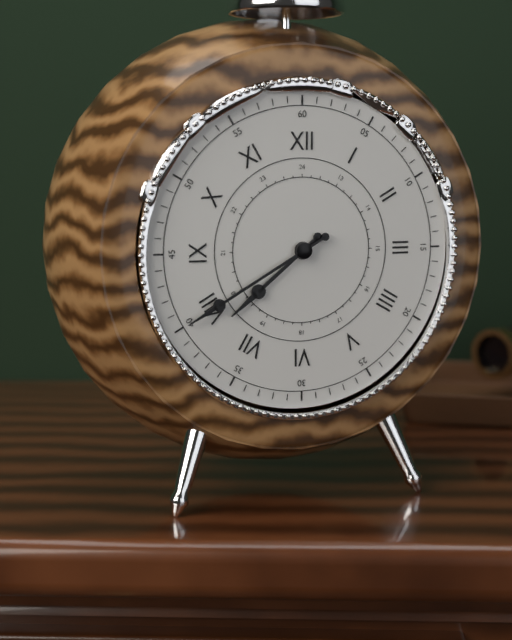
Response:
h=7 m=40
